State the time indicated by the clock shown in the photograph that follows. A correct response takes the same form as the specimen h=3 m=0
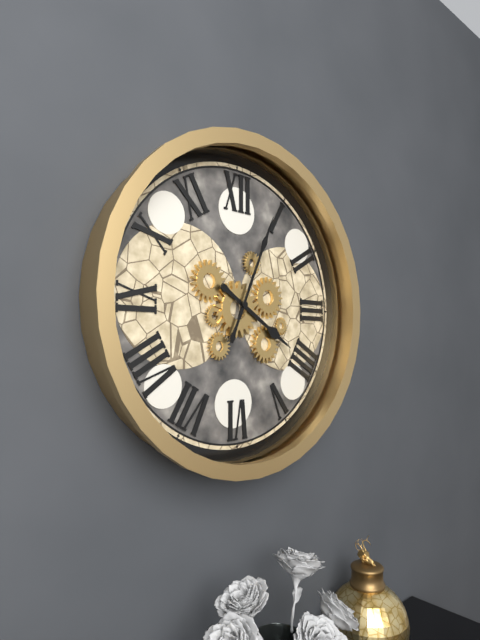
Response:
h=4 m=4
